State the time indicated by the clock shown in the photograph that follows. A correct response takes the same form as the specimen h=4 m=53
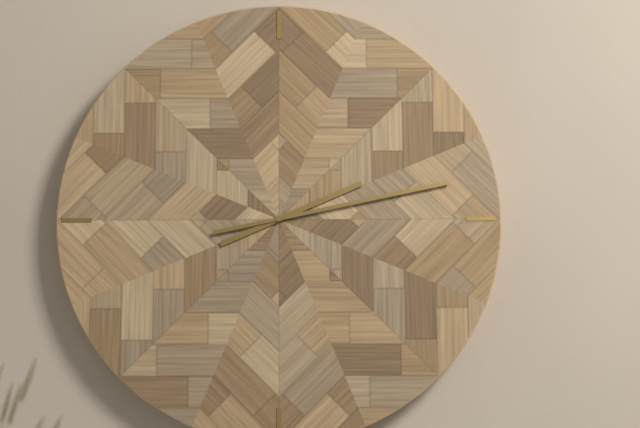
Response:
h=2 m=13
